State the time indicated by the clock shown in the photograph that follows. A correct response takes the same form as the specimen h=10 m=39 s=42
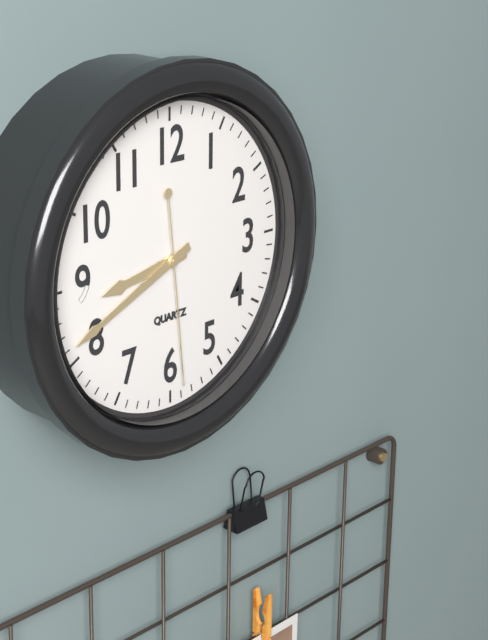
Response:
h=8 m=41 s=29
